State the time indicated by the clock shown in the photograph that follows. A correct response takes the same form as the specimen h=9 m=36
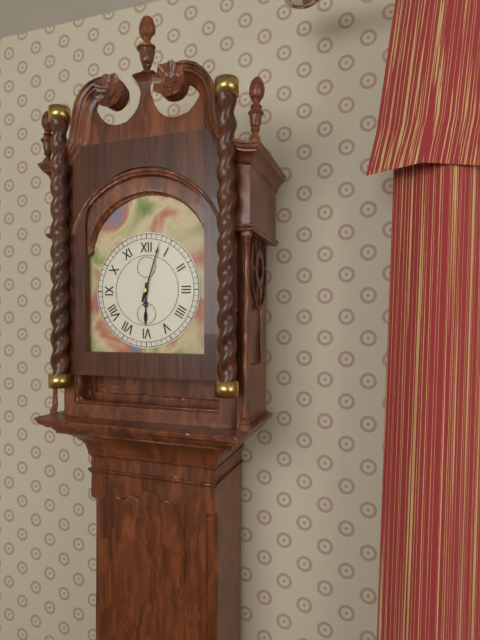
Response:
h=6 m=3
